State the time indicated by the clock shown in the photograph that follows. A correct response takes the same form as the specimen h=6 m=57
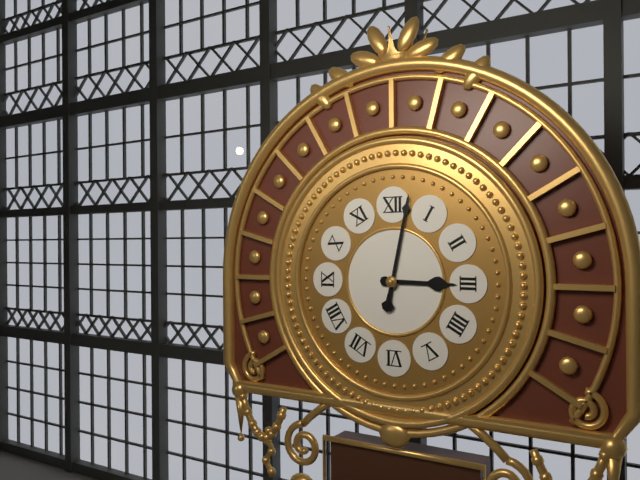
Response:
h=3 m=2
